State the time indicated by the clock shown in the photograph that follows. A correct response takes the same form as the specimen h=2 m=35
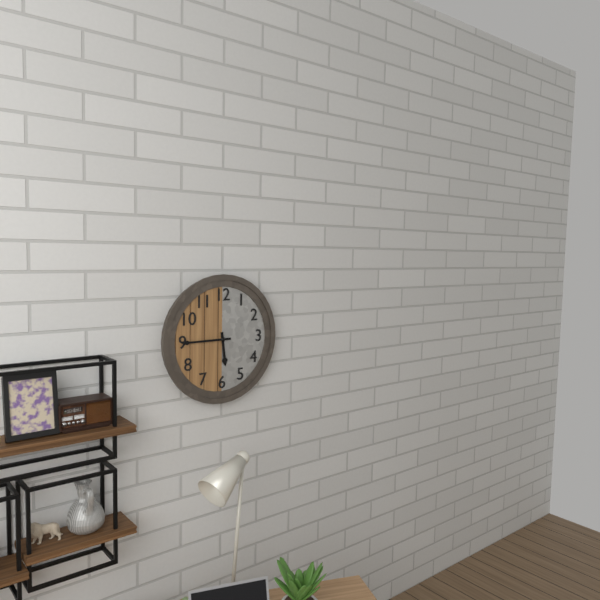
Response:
h=5 m=45
